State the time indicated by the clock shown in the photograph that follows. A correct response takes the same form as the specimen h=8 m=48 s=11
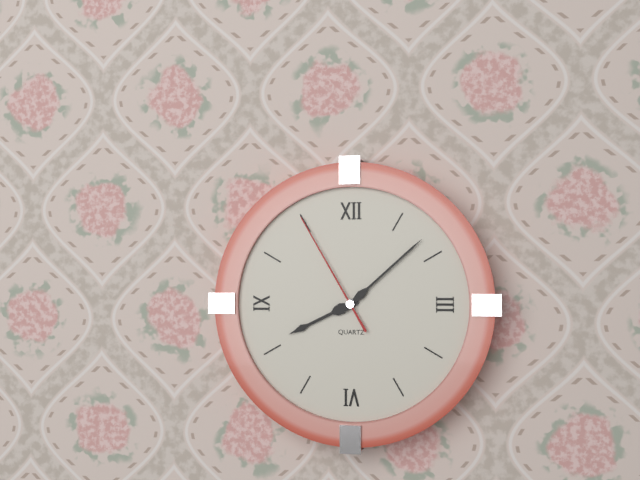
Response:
h=8 m=8 s=55
